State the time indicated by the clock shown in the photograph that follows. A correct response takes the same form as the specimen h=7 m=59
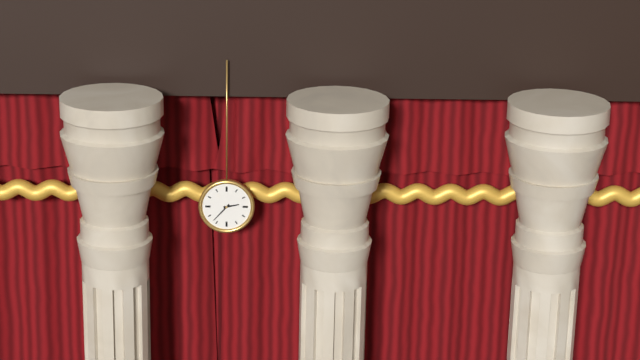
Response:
h=2 m=37
